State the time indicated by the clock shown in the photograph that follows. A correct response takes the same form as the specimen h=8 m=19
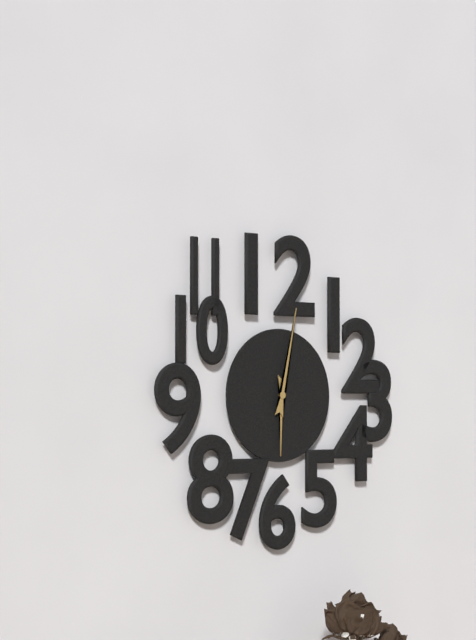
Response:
h=6 m=2
